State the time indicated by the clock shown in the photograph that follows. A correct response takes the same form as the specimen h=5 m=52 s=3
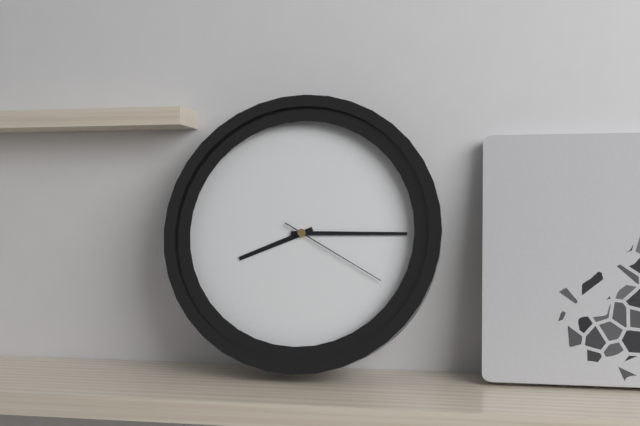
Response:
h=8 m=15 s=20
